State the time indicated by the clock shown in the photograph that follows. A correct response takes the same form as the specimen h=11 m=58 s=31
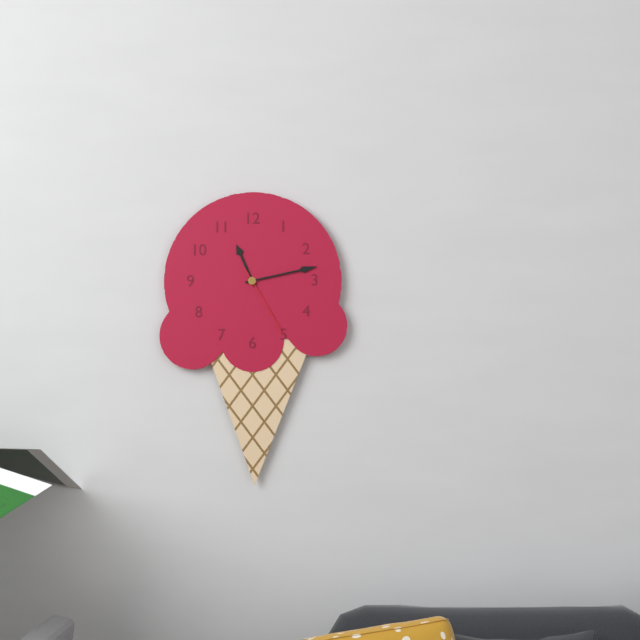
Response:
h=11 m=13 s=25
